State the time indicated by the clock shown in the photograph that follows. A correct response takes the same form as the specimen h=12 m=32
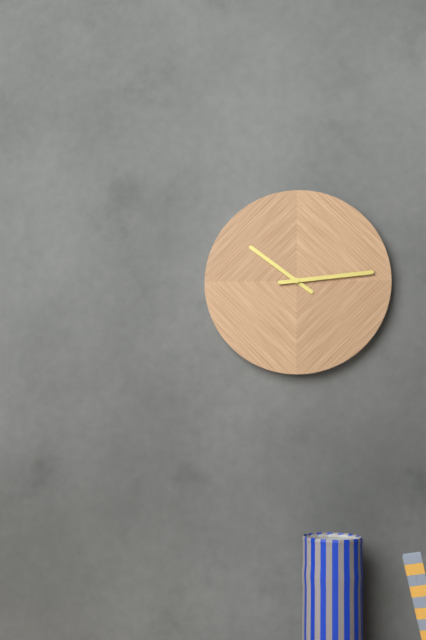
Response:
h=10 m=14
